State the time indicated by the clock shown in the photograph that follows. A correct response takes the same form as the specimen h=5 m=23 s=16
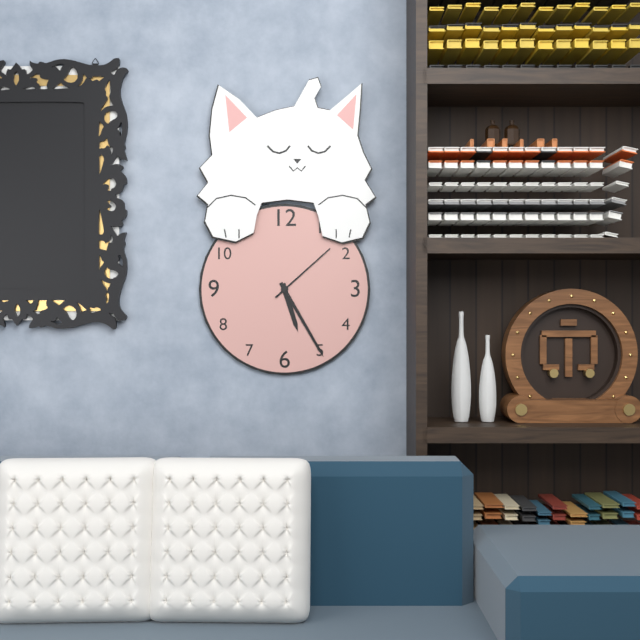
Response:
h=5 m=25 s=8
